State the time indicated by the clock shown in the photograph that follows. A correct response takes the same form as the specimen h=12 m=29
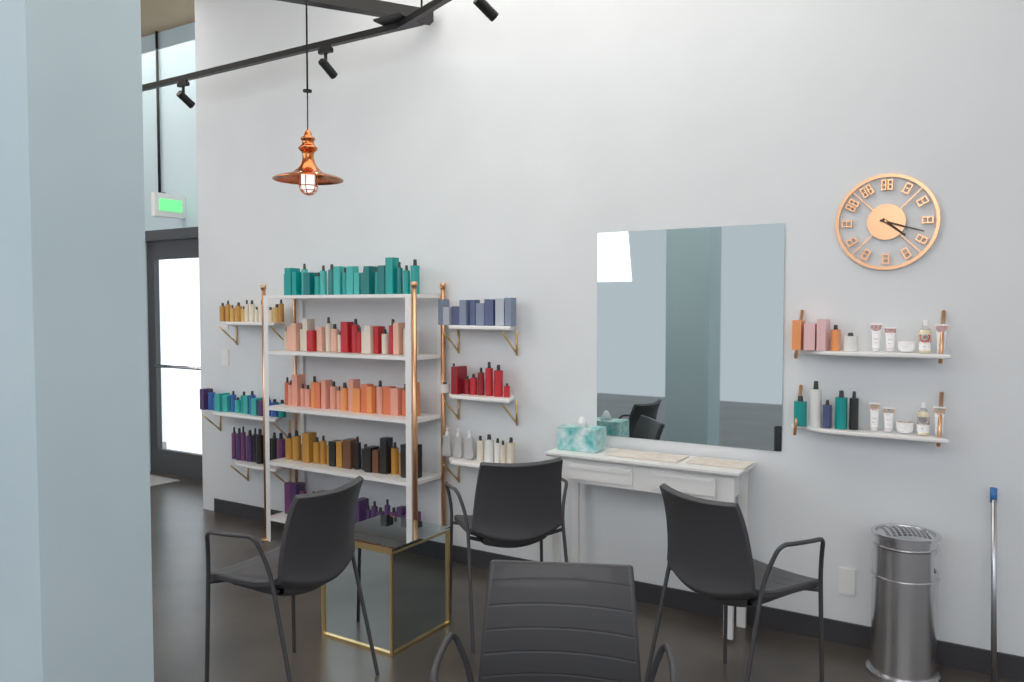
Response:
h=4 m=18
